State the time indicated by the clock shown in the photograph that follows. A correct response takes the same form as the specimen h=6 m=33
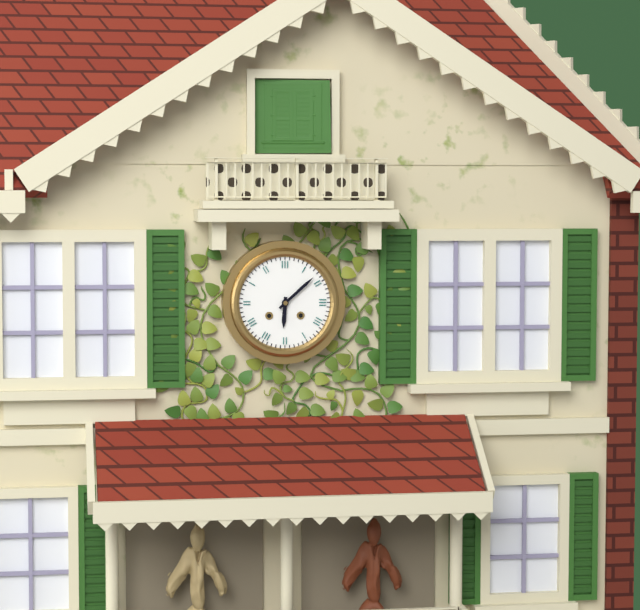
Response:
h=6 m=8
